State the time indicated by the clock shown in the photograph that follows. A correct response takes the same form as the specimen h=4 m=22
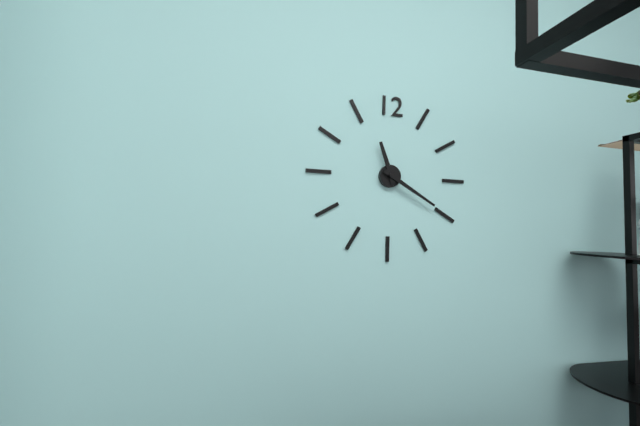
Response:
h=11 m=20
